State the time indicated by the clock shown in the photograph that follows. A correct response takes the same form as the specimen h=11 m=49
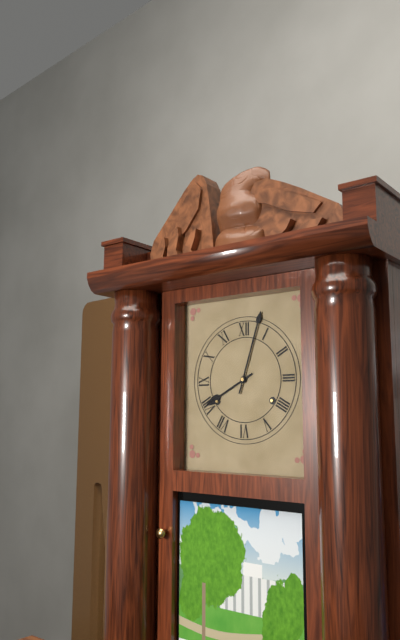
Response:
h=8 m=3
